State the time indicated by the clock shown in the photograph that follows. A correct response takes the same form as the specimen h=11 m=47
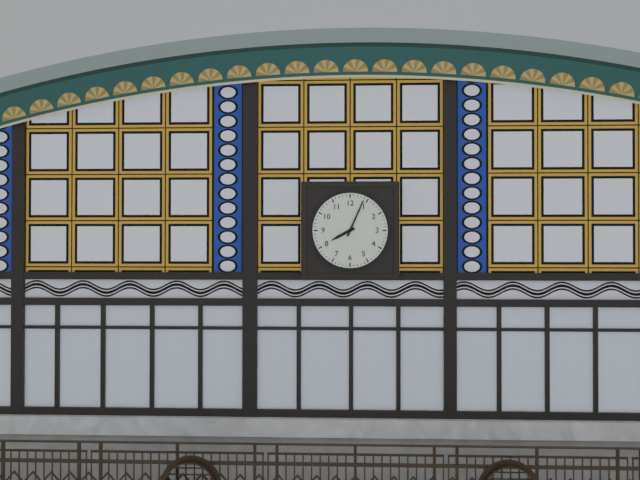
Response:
h=8 m=4
